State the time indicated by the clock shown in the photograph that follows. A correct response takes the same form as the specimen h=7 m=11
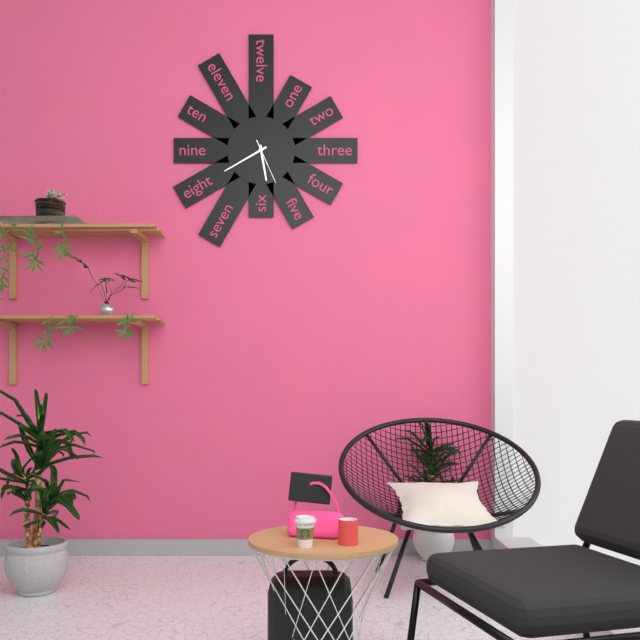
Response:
h=5 m=40
